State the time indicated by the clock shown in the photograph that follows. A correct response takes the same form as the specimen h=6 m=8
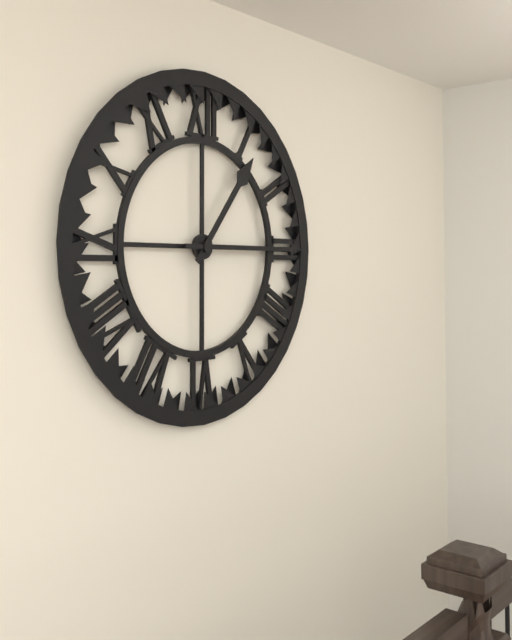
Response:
h=1 m=15
